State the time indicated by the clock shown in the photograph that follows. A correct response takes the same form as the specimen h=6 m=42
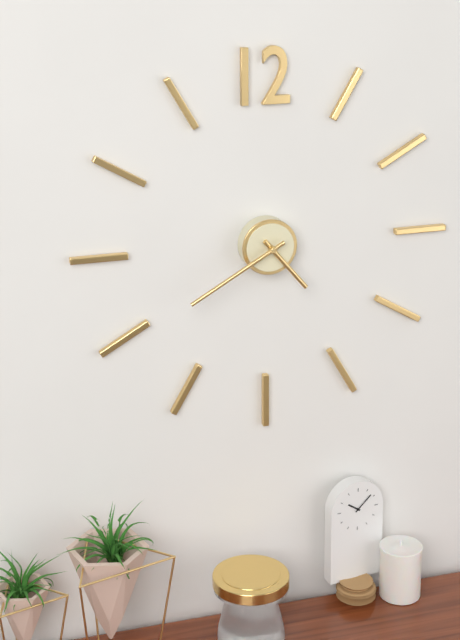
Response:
h=4 m=40
